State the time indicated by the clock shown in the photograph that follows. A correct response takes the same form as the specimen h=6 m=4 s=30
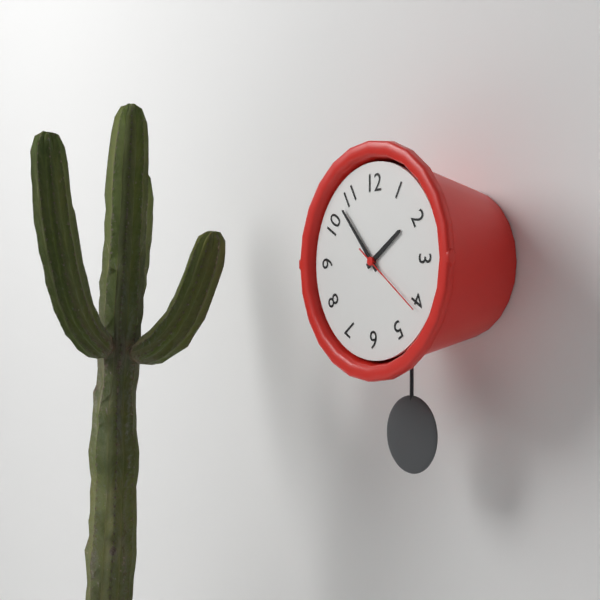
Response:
h=1 m=53 s=21
